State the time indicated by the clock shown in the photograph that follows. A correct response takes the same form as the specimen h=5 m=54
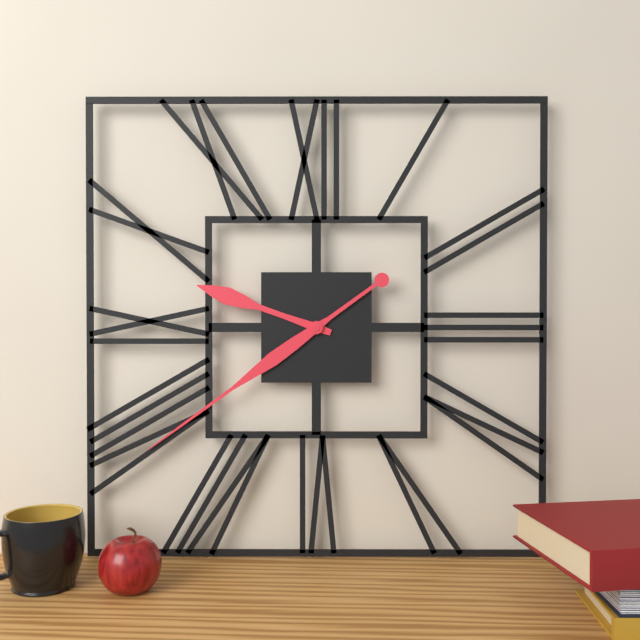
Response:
h=9 m=39
